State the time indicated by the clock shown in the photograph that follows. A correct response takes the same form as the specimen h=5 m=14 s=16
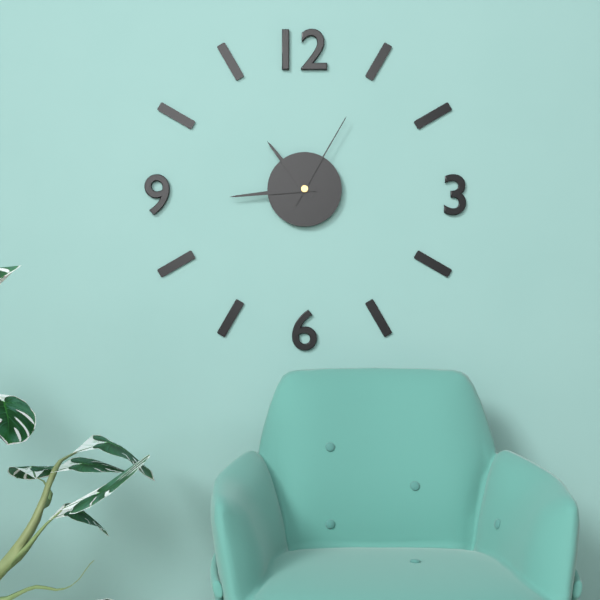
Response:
h=10 m=44 s=5
